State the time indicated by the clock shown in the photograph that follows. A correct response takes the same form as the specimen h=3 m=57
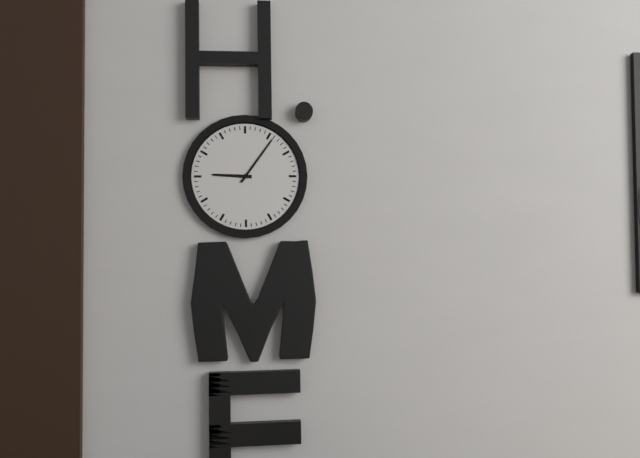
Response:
h=9 m=6
